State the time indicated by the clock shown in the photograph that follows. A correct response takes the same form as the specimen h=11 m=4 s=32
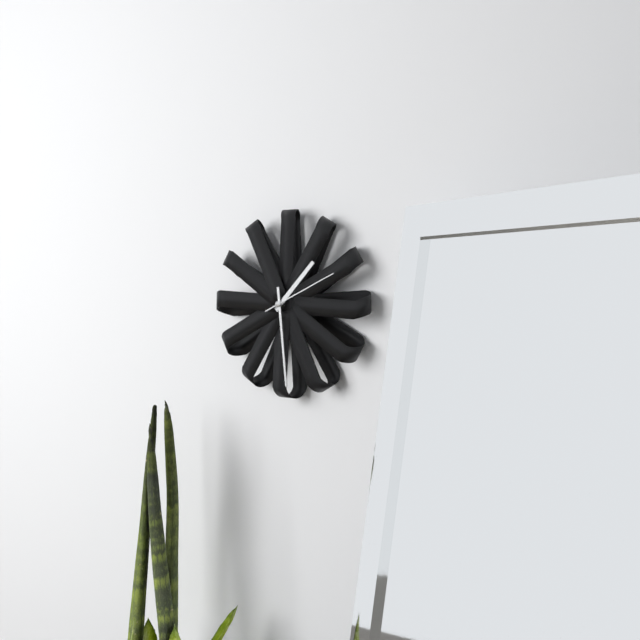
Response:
h=1 m=29 s=11
